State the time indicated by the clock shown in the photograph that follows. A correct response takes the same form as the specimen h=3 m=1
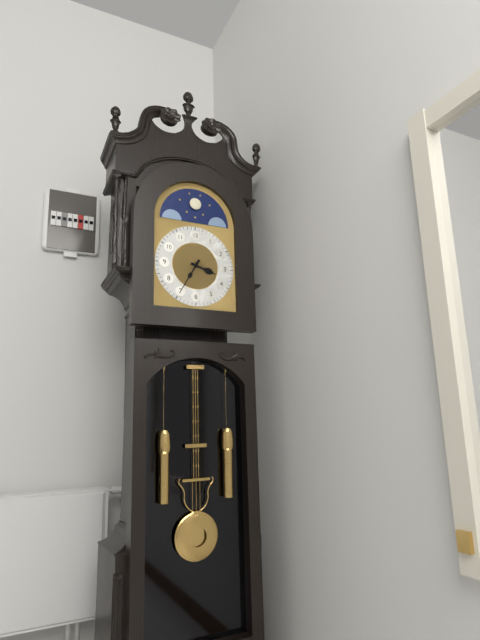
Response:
h=3 m=35
